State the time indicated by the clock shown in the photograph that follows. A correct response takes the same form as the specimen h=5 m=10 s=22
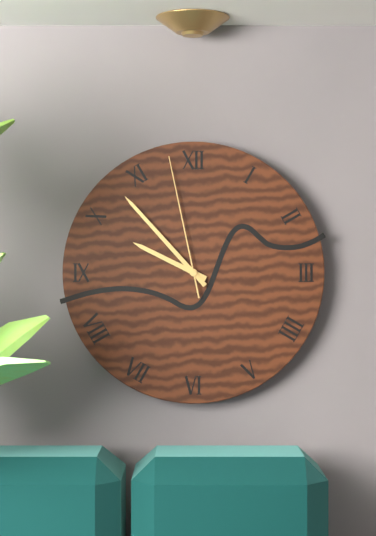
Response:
h=9 m=53 s=58
